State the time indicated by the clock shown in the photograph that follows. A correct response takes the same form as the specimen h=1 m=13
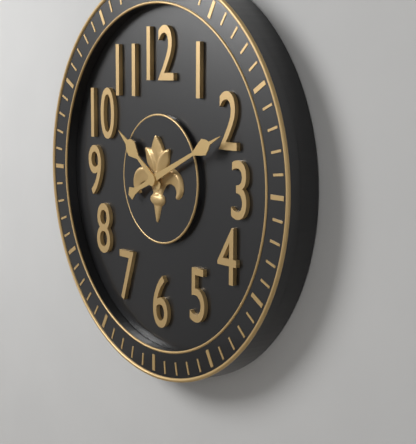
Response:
h=10 m=11
